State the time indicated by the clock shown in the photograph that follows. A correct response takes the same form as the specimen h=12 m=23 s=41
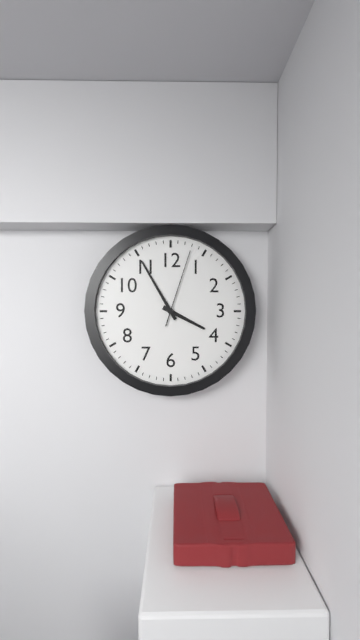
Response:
h=3 m=55 s=3
